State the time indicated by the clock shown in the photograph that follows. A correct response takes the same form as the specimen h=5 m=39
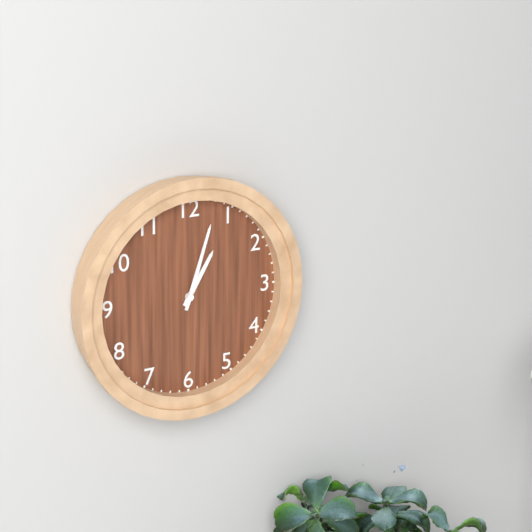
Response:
h=1 m=3
